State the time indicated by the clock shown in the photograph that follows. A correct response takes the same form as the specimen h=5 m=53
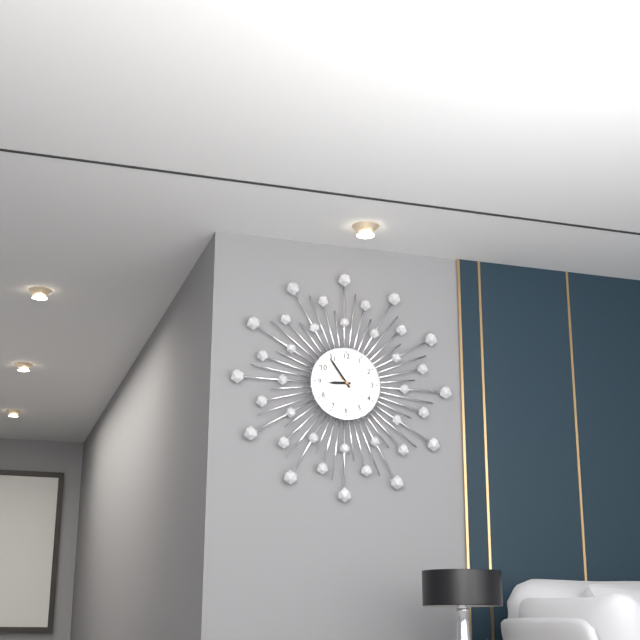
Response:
h=8 m=54
